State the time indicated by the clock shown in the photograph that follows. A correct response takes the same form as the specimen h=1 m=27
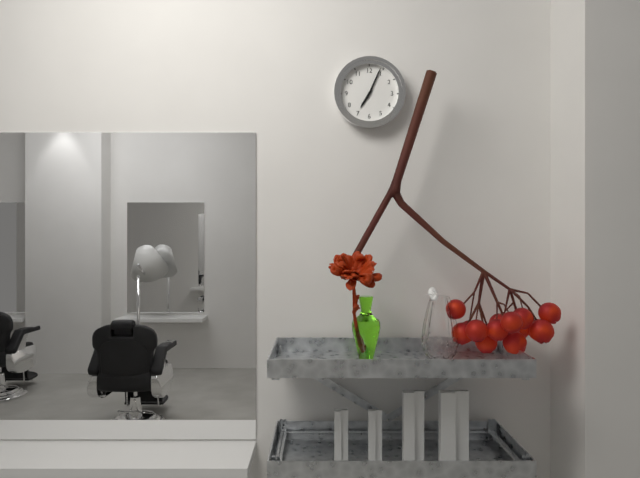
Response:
h=7 m=4
